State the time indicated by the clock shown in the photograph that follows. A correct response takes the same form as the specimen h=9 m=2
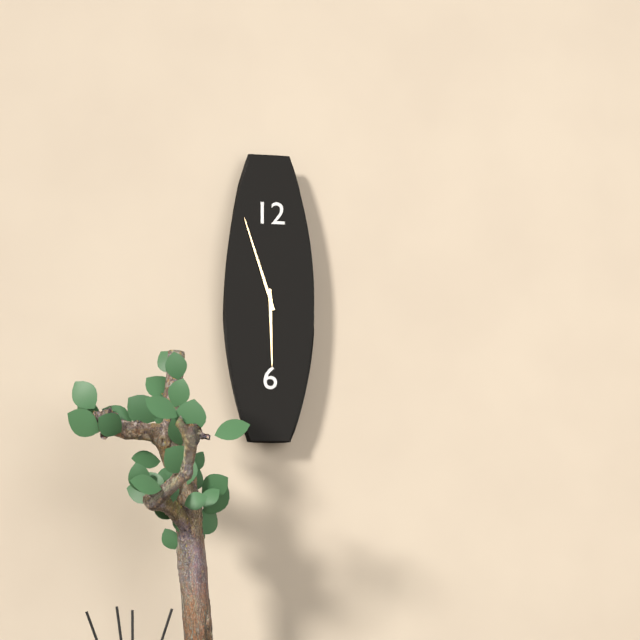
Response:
h=5 m=57
